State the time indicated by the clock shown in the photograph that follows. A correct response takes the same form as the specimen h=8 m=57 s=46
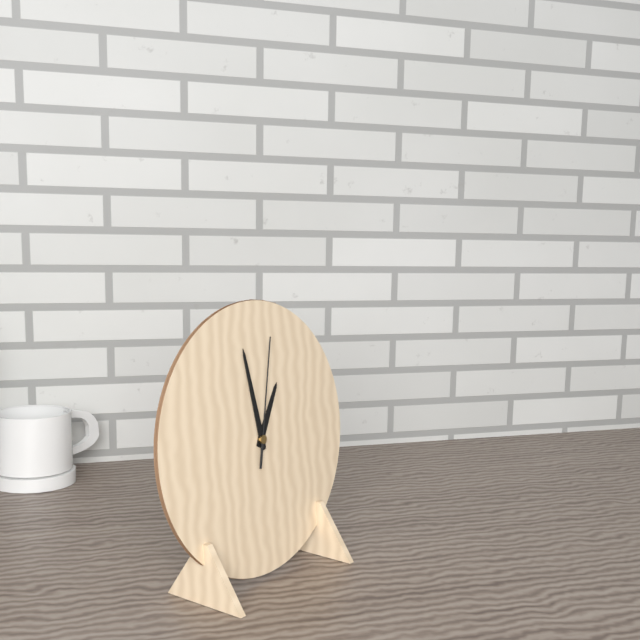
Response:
h=12 m=58 s=2
